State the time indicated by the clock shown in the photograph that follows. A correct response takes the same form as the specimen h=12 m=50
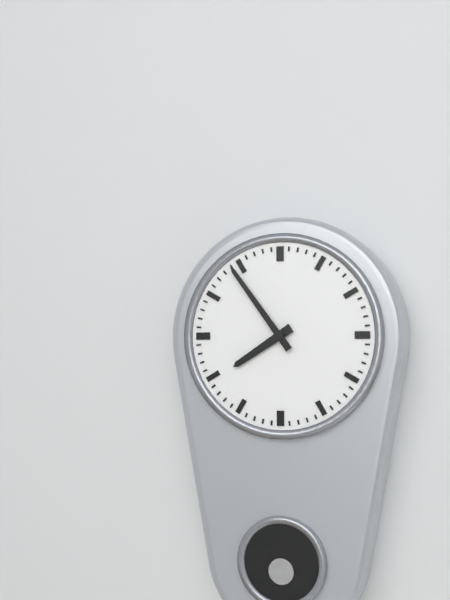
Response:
h=7 m=54
